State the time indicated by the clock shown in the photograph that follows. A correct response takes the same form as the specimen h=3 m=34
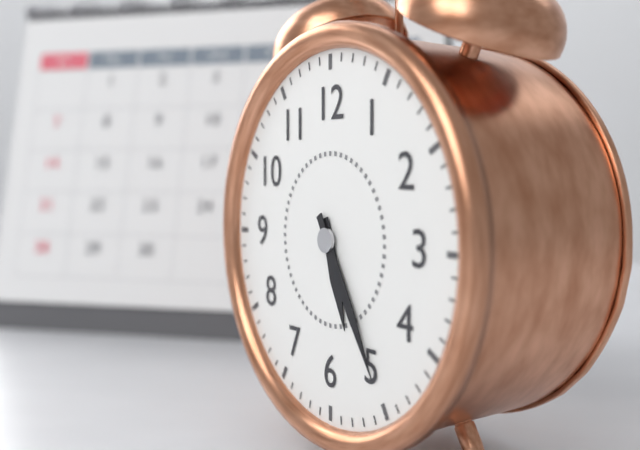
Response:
h=5 m=25
